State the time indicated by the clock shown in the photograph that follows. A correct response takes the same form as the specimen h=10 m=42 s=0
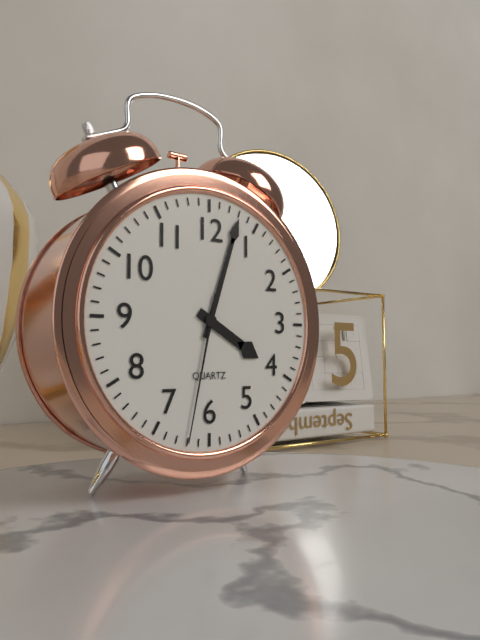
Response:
h=4 m=3 s=32
